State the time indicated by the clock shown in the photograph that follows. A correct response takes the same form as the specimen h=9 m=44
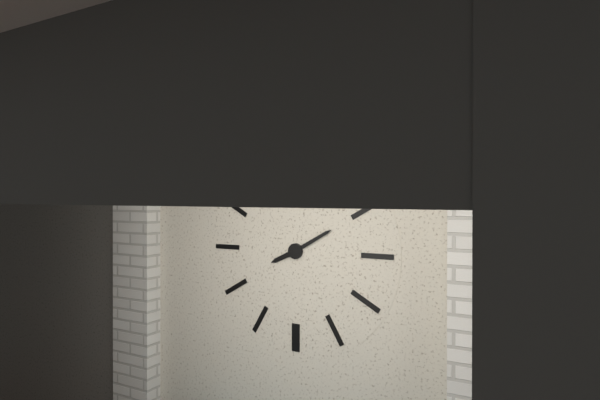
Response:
h=8 m=10
